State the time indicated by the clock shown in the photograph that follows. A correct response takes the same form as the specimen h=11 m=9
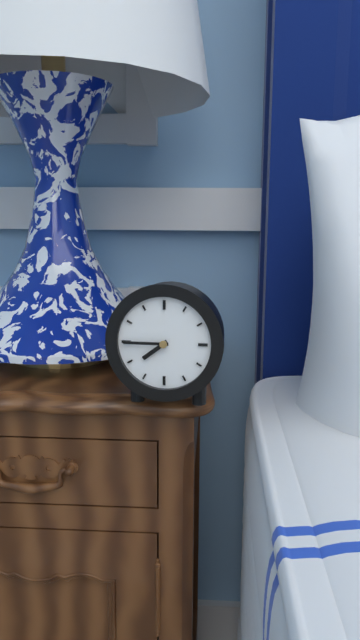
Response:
h=7 m=45
